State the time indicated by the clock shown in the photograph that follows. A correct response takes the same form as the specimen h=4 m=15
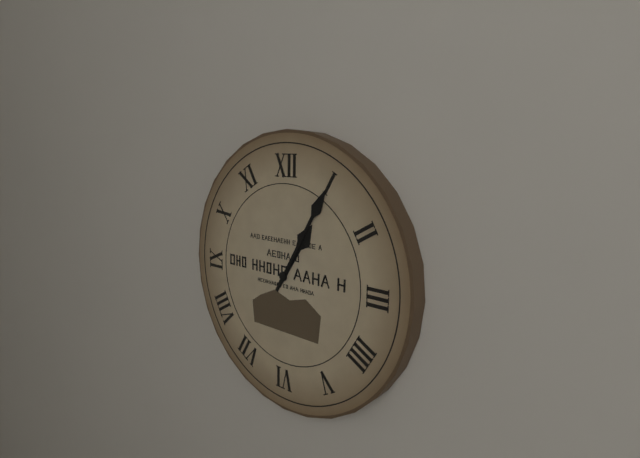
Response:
h=1 m=5
